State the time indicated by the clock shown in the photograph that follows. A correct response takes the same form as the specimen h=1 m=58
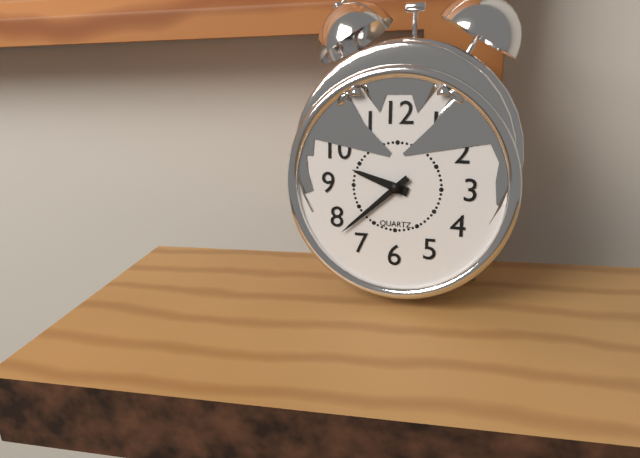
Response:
h=9 m=38
